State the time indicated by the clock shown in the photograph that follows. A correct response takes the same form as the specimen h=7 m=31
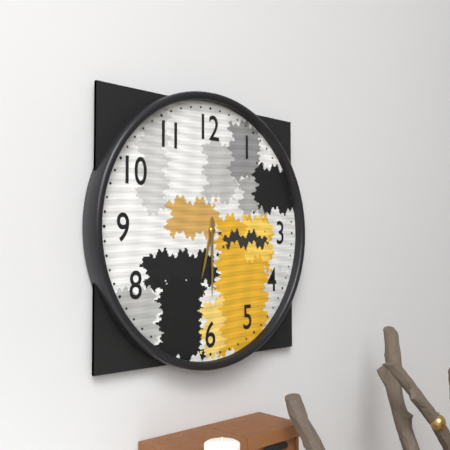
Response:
h=6 m=30
